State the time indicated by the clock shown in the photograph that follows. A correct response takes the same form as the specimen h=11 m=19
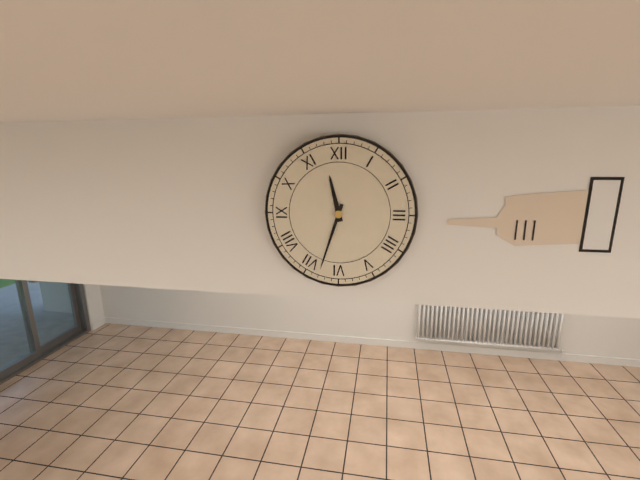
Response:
h=11 m=33
